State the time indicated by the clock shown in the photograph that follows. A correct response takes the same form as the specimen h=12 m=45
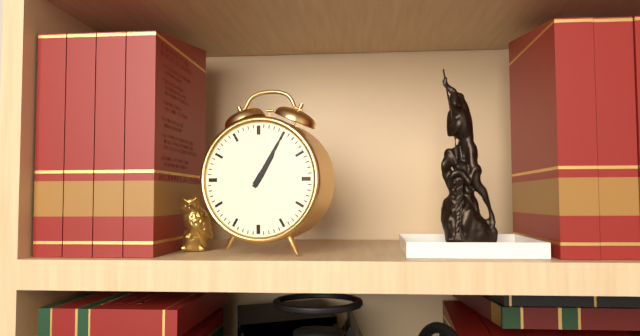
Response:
h=1 m=5
